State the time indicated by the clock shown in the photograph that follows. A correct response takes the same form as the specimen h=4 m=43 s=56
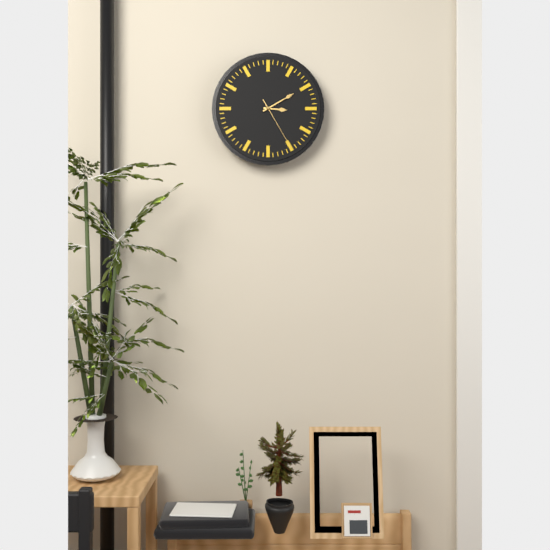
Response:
h=3 m=10 s=25
